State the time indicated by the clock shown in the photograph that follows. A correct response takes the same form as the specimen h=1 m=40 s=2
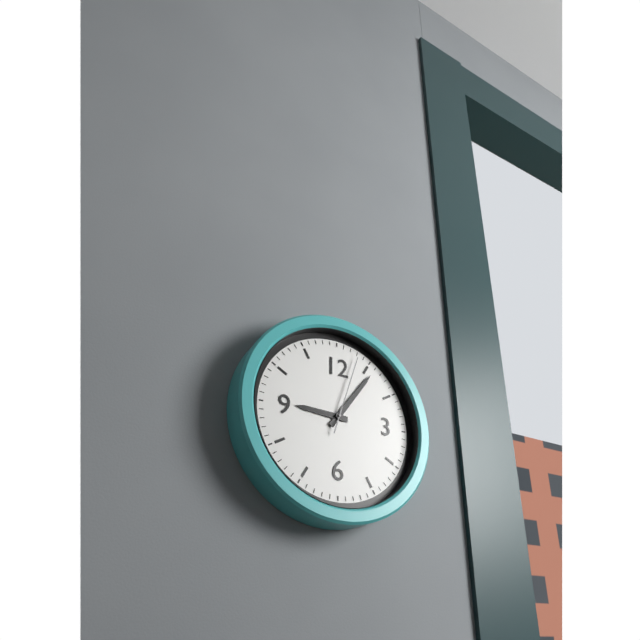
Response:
h=9 m=6 s=3
